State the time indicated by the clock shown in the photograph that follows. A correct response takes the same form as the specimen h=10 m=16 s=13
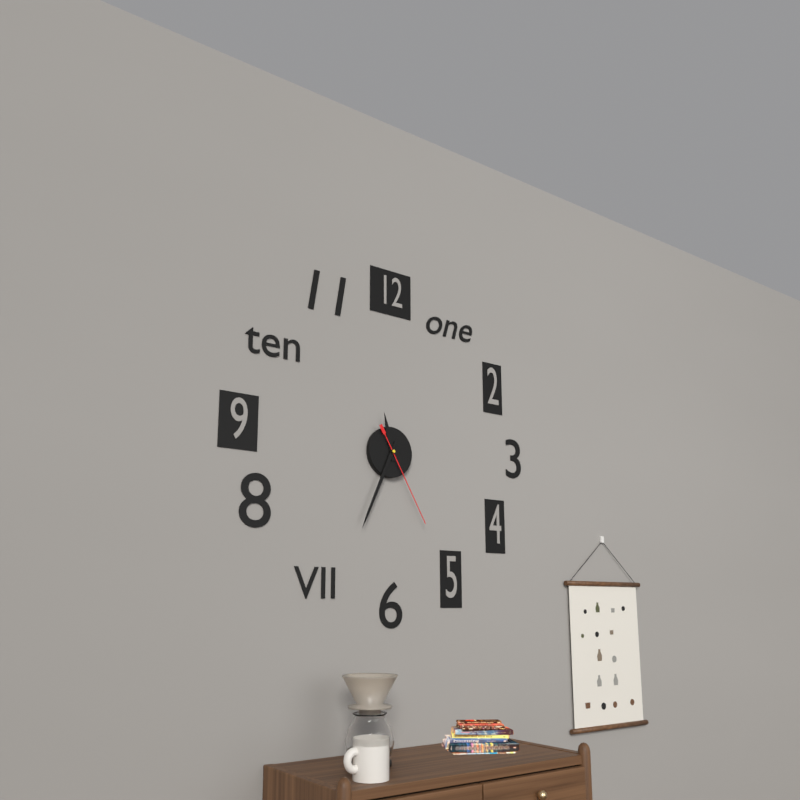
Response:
h=11 m=34 s=25
